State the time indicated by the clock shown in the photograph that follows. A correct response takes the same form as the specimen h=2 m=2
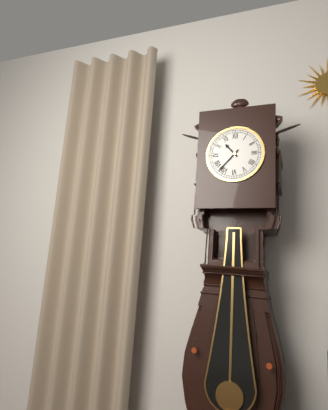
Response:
h=10 m=37
